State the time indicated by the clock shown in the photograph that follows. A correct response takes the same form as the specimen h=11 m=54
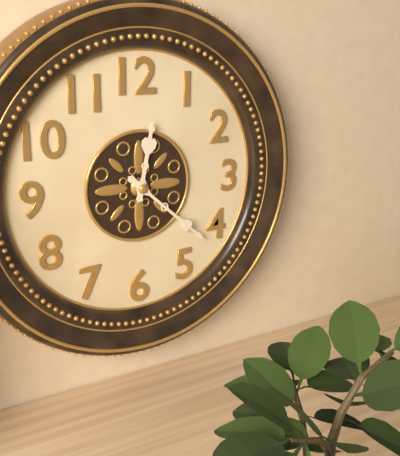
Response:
h=12 m=22
